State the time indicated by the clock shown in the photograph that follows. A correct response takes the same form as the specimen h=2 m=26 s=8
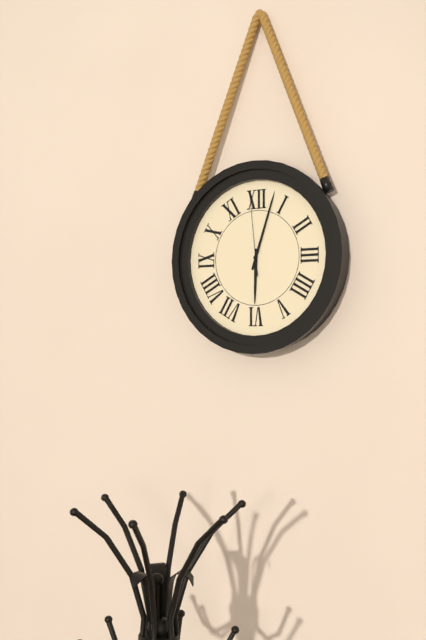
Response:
h=6 m=3 s=59
